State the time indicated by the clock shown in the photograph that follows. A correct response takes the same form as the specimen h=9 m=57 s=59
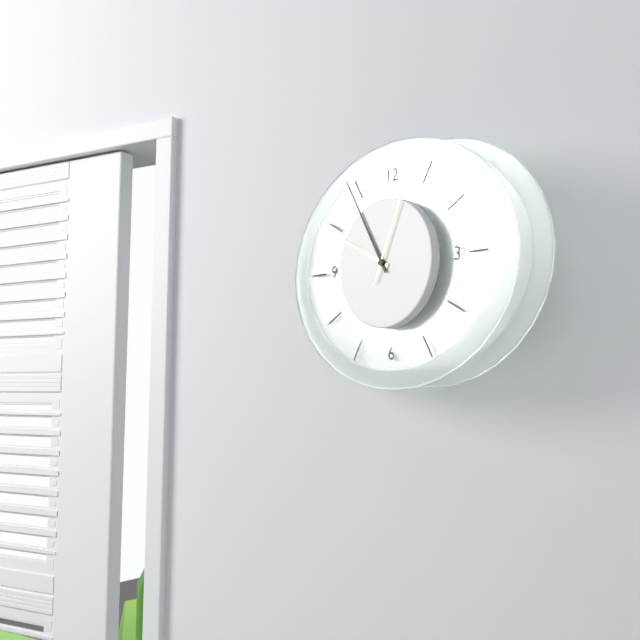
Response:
h=9 m=55 s=4
